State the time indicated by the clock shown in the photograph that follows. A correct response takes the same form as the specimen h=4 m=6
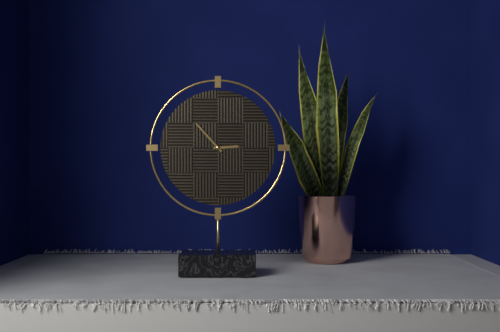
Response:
h=2 m=53
